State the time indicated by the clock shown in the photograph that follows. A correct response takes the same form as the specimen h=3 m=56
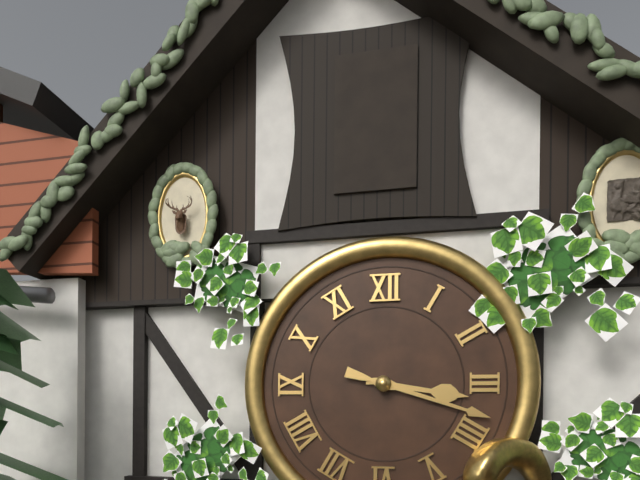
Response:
h=3 m=18
